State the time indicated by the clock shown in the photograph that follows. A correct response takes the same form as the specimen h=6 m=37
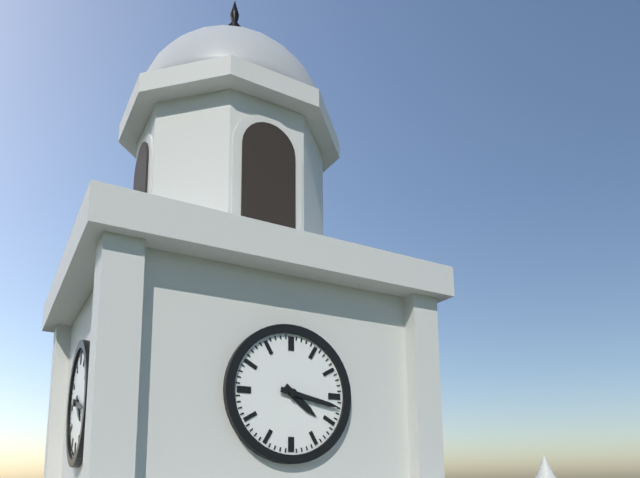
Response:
h=4 m=17
